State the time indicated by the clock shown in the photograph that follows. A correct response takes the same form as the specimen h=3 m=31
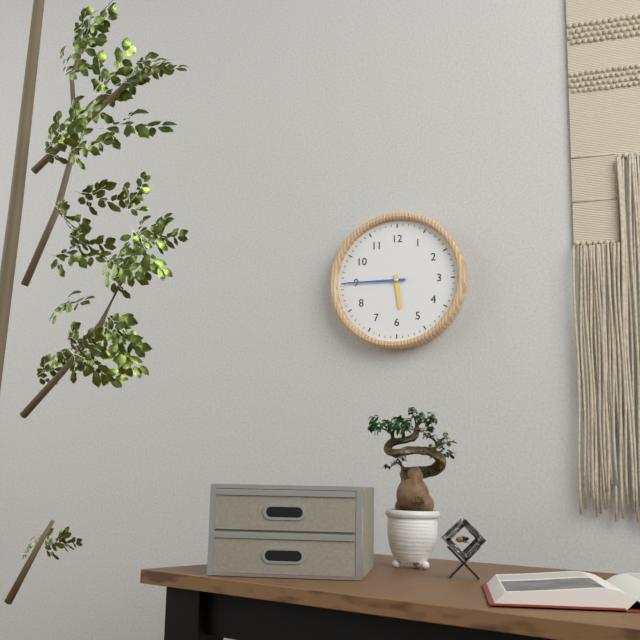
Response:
h=5 m=45
